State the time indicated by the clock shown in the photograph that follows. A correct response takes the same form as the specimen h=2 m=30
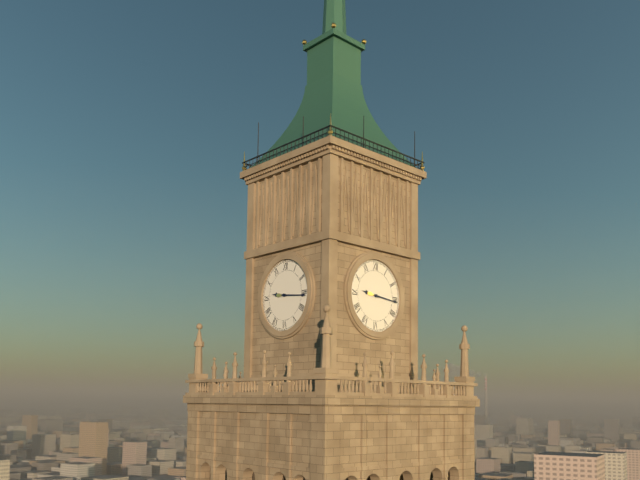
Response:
h=9 m=16
